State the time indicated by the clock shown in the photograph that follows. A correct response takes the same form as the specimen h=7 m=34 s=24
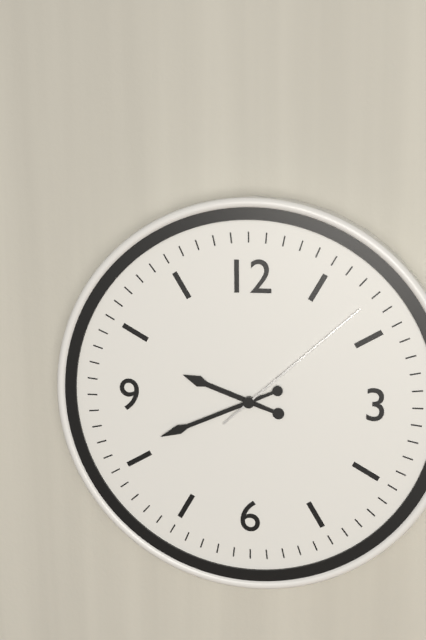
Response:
h=9 m=41 s=8
